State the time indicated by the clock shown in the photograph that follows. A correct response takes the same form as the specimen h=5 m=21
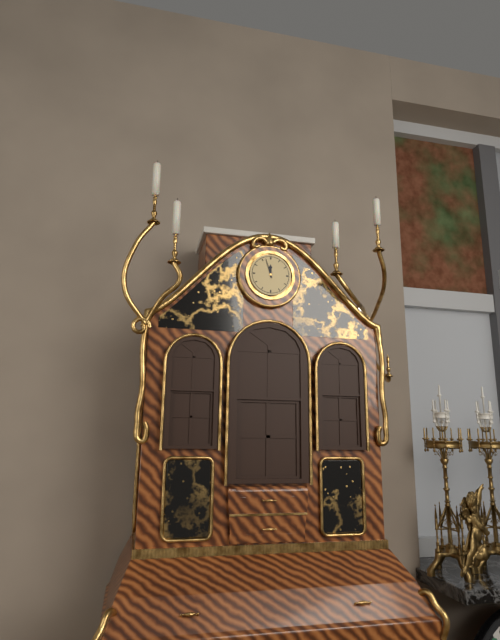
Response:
h=11 m=57
